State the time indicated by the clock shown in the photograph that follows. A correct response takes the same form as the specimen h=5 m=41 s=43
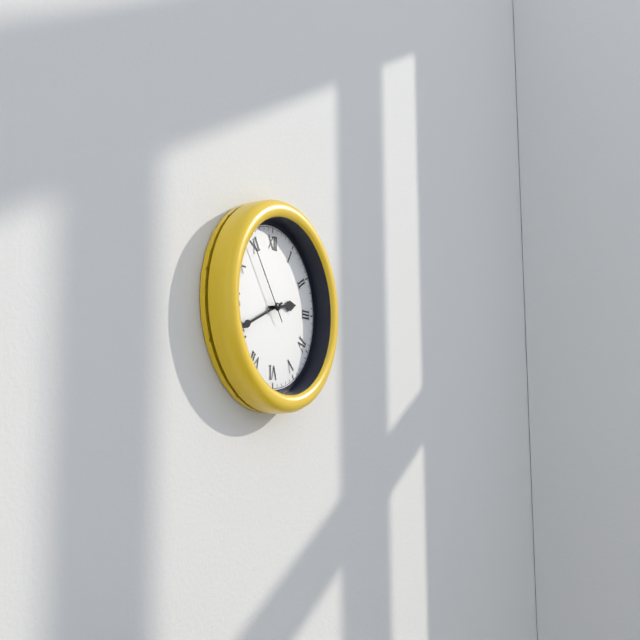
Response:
h=2 m=41 s=54
